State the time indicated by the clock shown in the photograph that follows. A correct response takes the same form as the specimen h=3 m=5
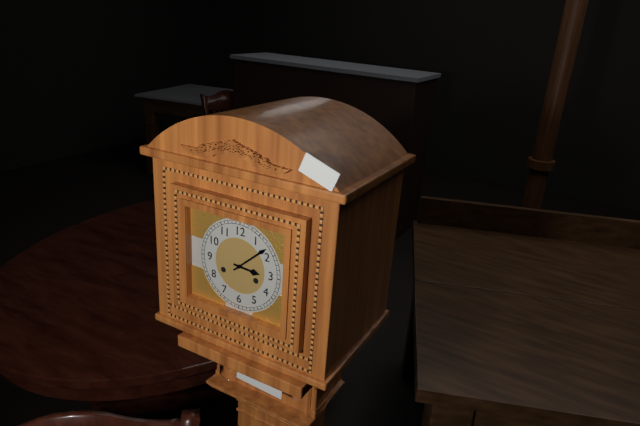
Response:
h=3 m=8
